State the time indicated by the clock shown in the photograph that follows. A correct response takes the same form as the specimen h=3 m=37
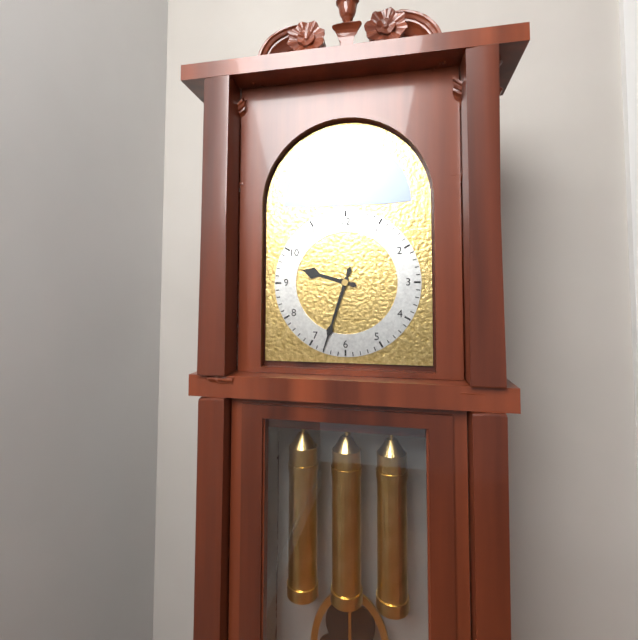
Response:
h=9 m=33
